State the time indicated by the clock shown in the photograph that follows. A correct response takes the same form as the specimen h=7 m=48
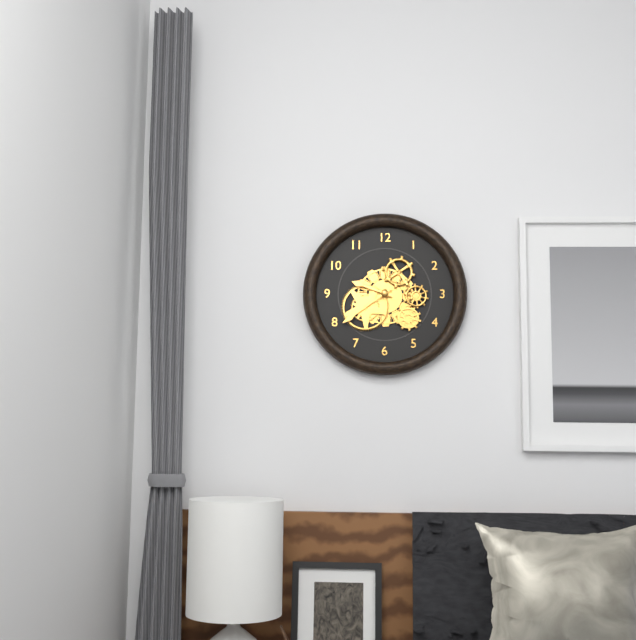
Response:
h=9 m=39
